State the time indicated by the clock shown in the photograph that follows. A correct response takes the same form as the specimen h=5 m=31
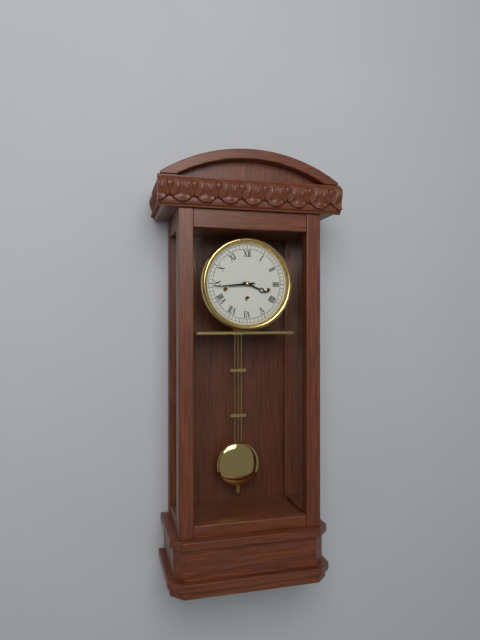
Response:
h=3 m=44
